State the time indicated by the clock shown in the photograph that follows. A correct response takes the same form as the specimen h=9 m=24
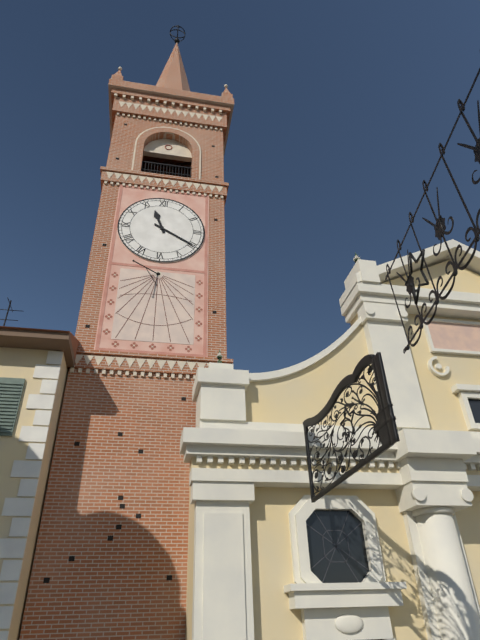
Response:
h=11 m=20
